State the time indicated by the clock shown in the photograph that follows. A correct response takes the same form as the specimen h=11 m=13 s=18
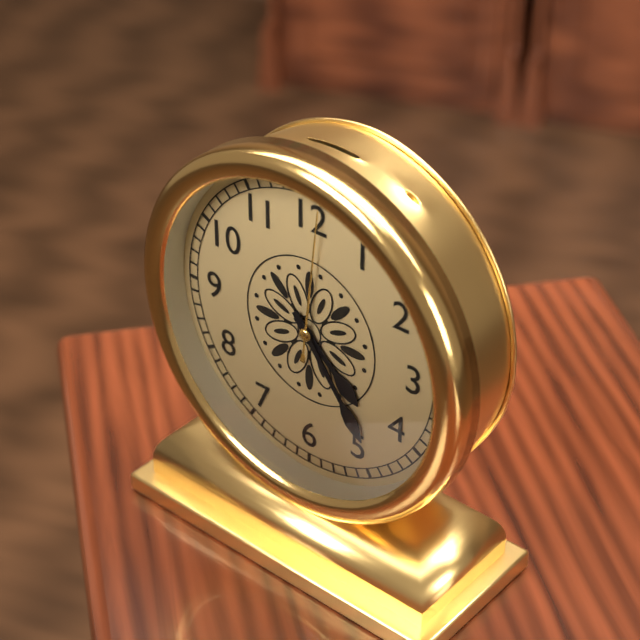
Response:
h=4 m=24 s=1
